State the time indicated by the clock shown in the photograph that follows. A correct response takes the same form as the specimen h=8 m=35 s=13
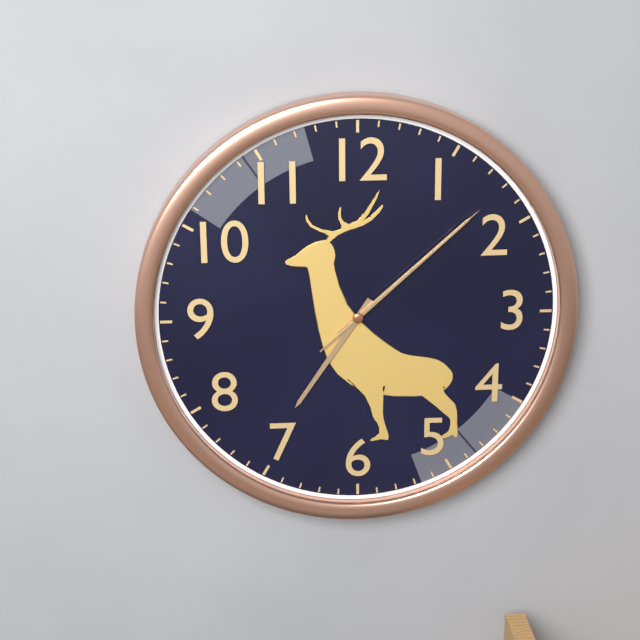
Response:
h=7 m=8 s=8
